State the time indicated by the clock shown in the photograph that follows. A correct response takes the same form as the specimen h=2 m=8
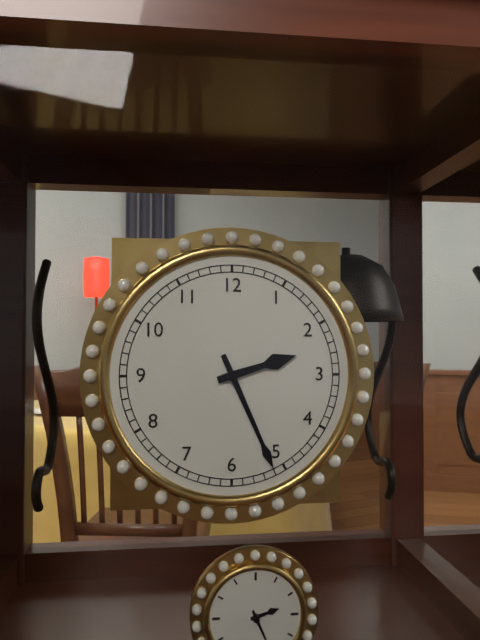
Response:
h=2 m=26
